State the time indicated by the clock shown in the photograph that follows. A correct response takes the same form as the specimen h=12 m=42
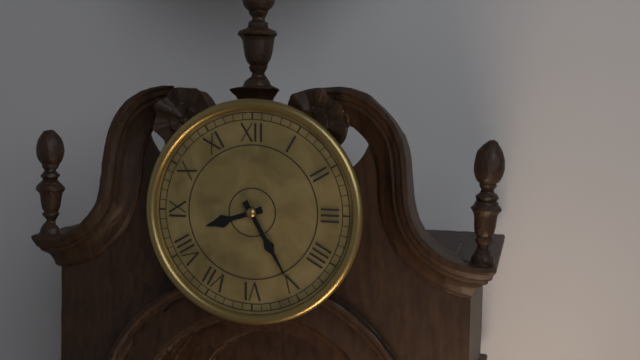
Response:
h=8 m=25
